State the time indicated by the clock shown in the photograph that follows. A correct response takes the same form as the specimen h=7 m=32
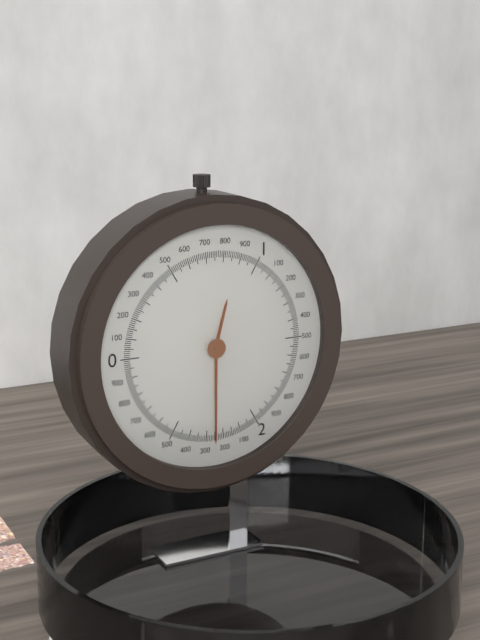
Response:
h=12 m=30
